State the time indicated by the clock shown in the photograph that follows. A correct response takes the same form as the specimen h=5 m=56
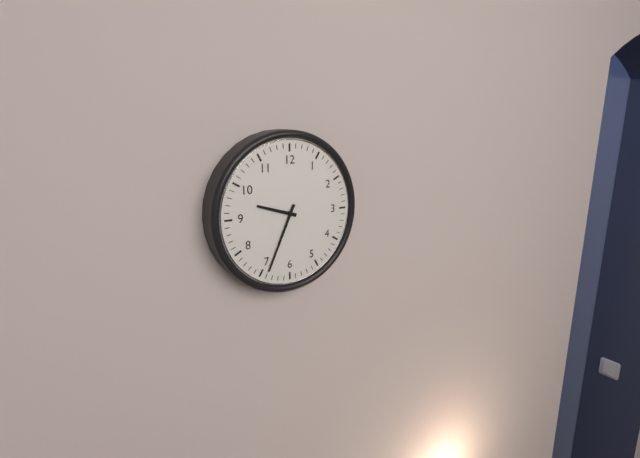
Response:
h=9 m=34
